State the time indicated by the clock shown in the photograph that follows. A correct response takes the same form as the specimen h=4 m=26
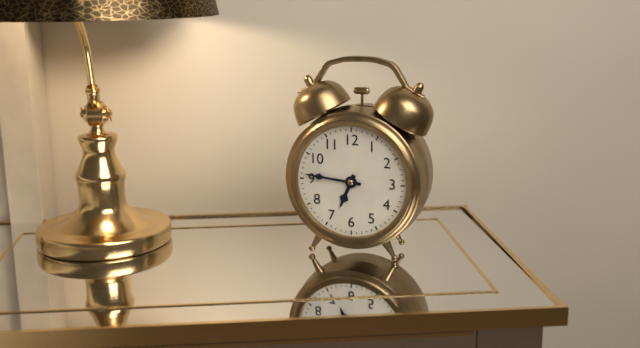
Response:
h=6 m=46
